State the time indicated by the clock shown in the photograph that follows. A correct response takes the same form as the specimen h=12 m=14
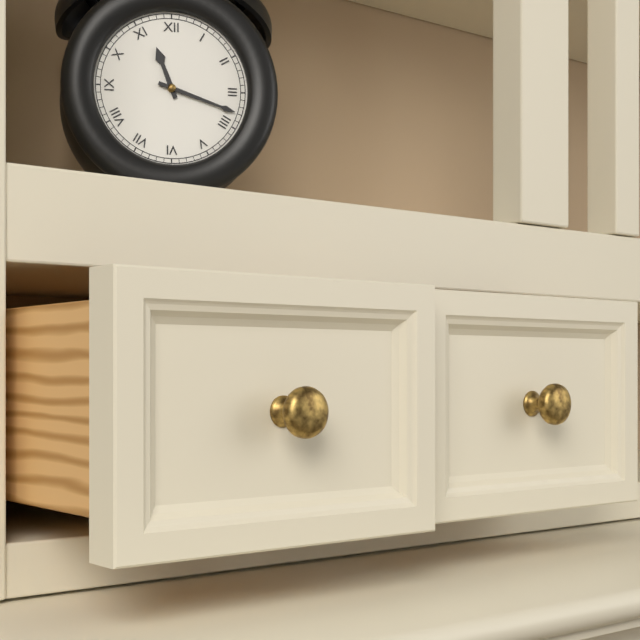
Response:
h=11 m=18
